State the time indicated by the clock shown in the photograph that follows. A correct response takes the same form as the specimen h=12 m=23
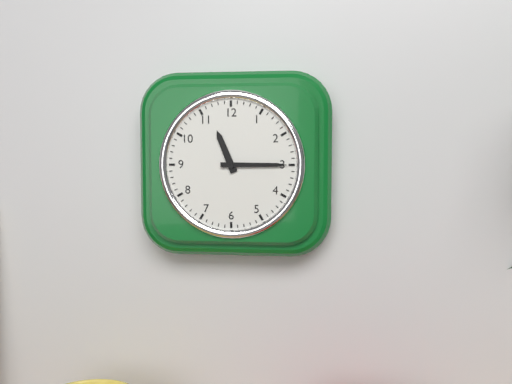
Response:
h=11 m=15
